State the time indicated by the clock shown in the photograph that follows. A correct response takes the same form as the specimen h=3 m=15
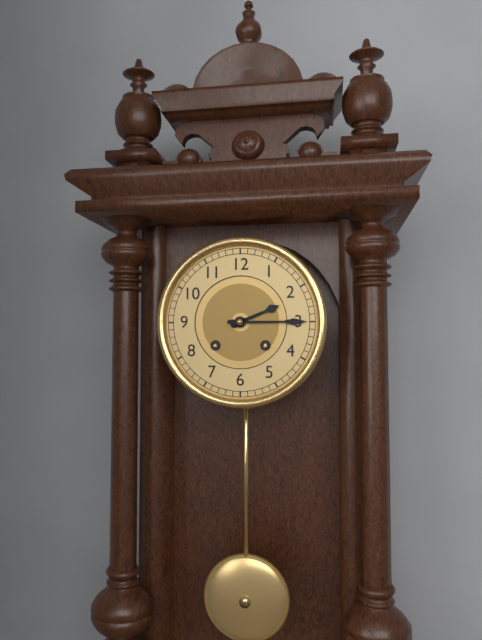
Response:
h=2 m=15
